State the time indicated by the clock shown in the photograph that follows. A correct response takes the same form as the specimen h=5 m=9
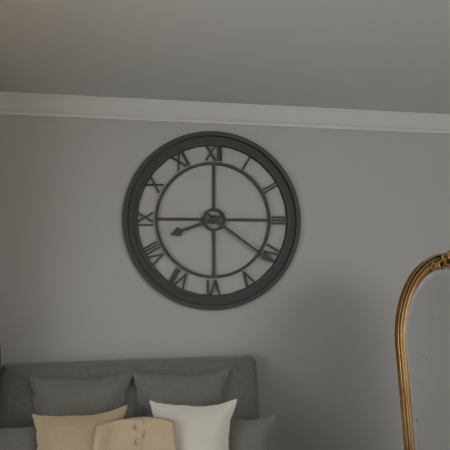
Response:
h=8 m=21
